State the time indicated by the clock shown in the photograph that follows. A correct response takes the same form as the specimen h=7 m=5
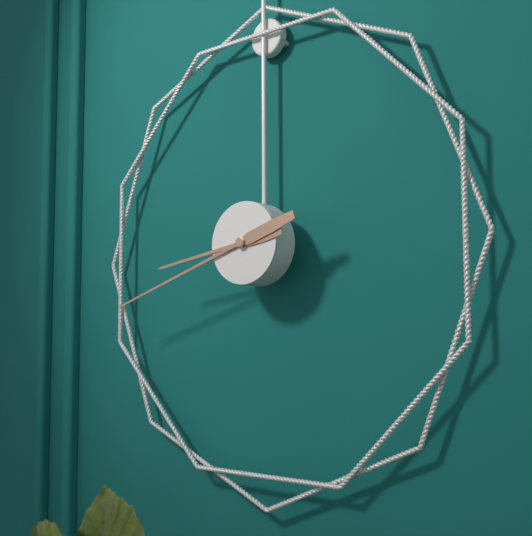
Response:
h=8 m=42
